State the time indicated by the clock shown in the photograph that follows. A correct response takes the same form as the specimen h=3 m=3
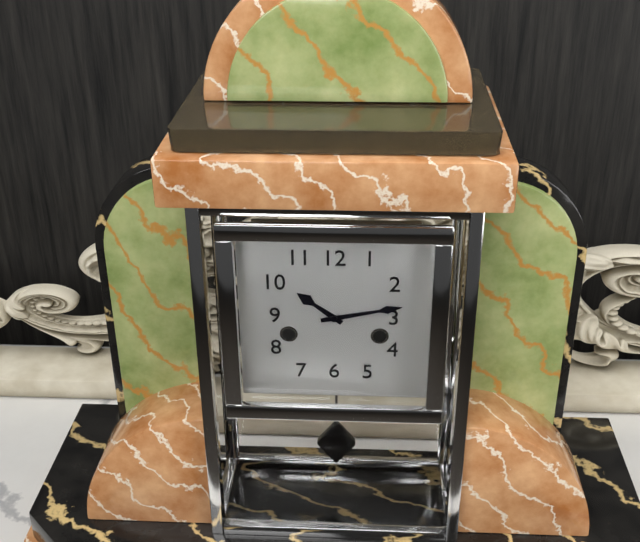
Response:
h=10 m=13
